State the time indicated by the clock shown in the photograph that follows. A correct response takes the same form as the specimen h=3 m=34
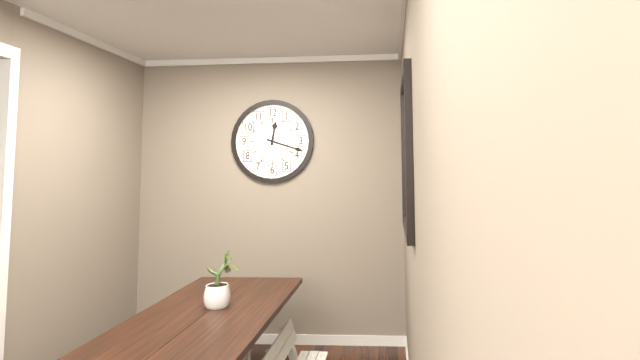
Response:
h=12 m=18
